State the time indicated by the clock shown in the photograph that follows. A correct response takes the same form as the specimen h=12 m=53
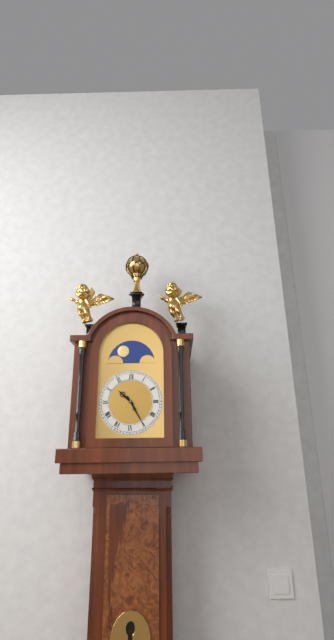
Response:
h=10 m=25
